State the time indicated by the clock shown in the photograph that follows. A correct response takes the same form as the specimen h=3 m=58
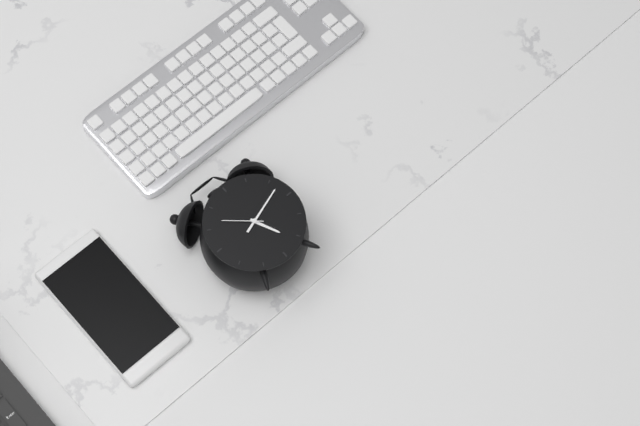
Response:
h=5 m=12
